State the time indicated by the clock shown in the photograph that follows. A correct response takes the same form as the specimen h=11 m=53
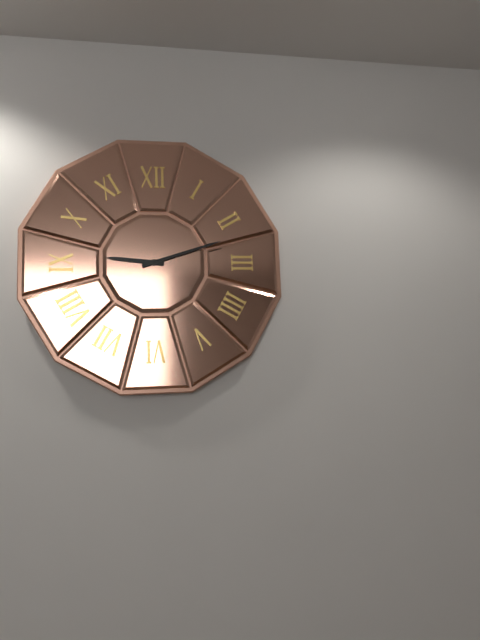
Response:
h=9 m=12
